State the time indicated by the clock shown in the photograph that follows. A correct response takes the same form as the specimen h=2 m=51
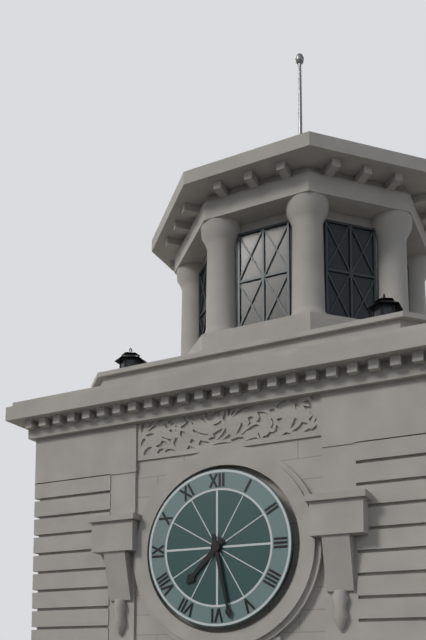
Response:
h=7 m=28
